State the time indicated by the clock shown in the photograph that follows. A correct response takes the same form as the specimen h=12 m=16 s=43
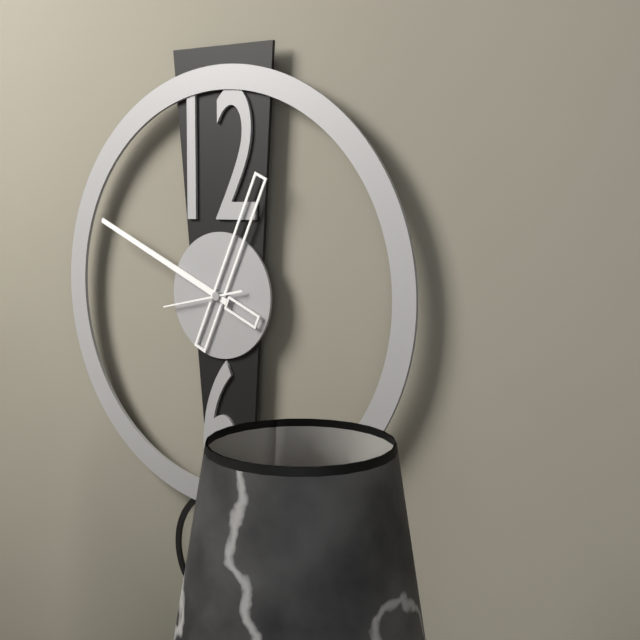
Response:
h=12 m=49 s=43
